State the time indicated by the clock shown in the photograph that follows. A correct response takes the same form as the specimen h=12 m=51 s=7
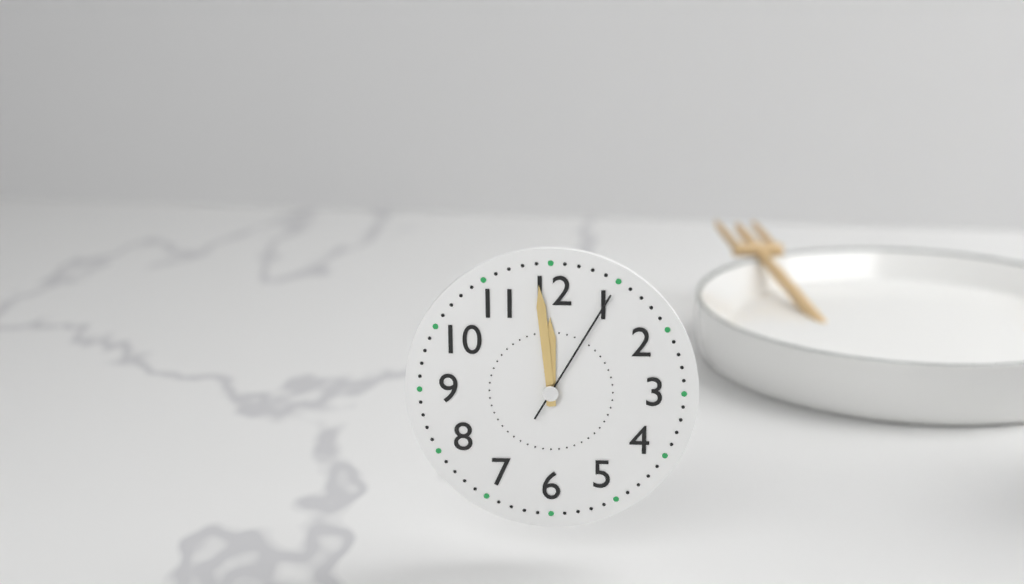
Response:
h=11 m=59 s=5
